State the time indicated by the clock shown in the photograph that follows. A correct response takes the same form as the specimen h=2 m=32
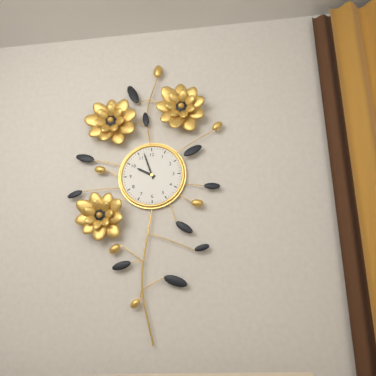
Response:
h=9 m=57
